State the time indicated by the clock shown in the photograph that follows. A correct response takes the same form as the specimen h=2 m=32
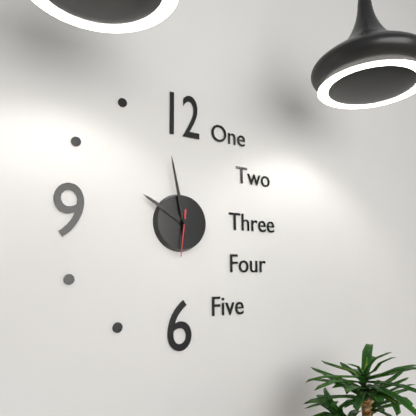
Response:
h=9 m=58
